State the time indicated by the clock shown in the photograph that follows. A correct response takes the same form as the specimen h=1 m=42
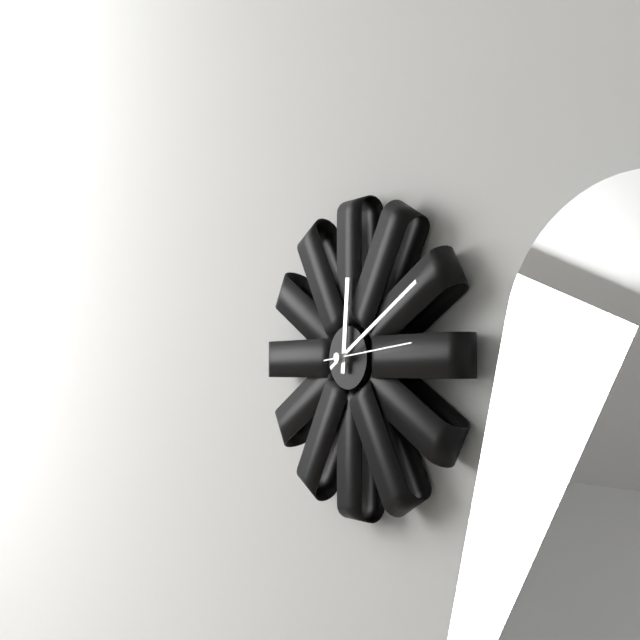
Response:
h=12 m=10
